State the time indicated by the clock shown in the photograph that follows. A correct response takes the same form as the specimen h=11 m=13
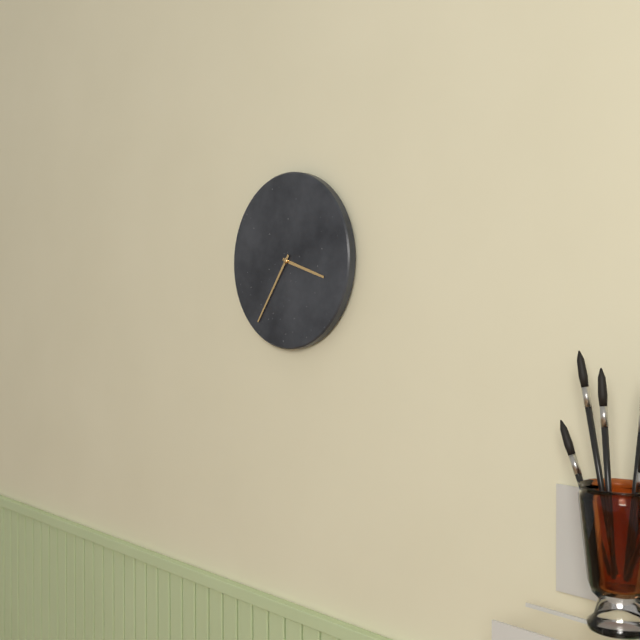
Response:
h=3 m=36
